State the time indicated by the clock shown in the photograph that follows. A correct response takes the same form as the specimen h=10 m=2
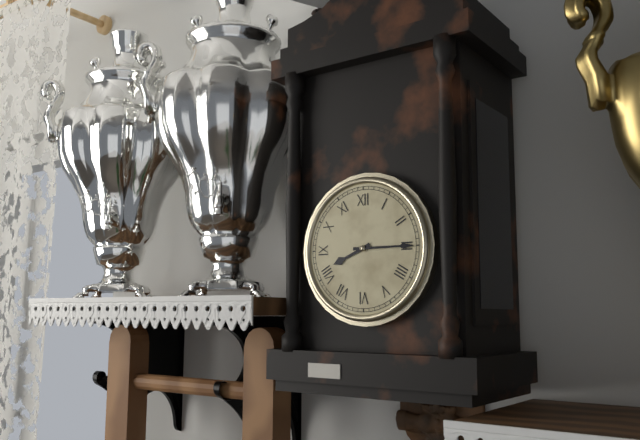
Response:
h=8 m=15
